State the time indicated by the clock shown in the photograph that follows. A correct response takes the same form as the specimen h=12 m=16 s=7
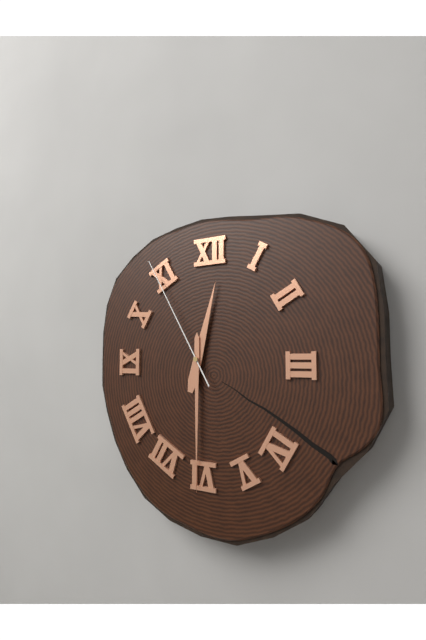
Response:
h=12 m=30 s=55
